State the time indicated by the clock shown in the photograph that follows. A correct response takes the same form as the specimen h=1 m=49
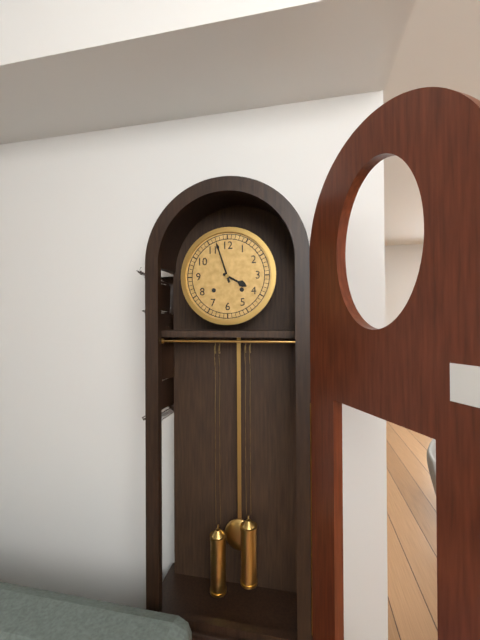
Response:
h=3 m=57
